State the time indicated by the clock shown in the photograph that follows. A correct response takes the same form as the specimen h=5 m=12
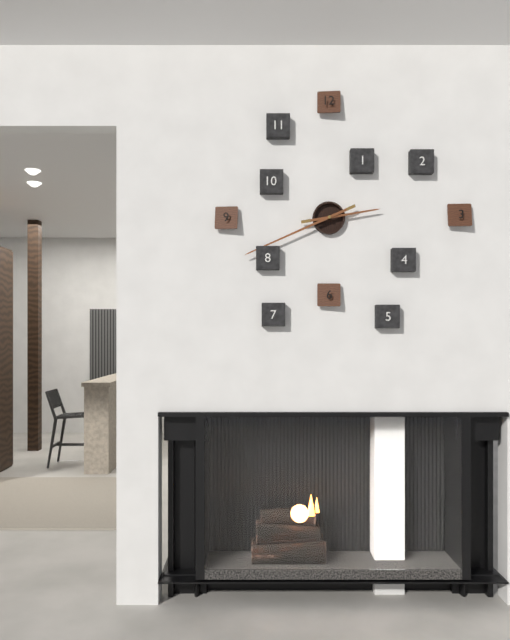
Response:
h=2 m=41
